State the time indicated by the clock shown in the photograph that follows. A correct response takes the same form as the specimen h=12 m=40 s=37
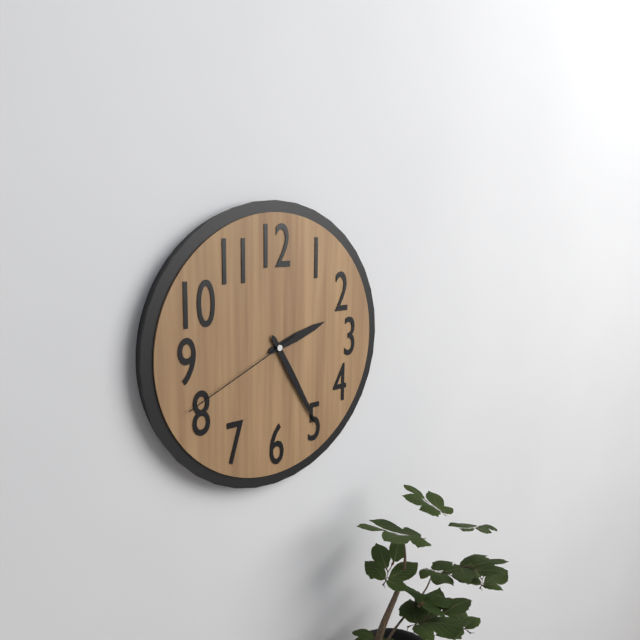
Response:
h=2 m=25 s=41
